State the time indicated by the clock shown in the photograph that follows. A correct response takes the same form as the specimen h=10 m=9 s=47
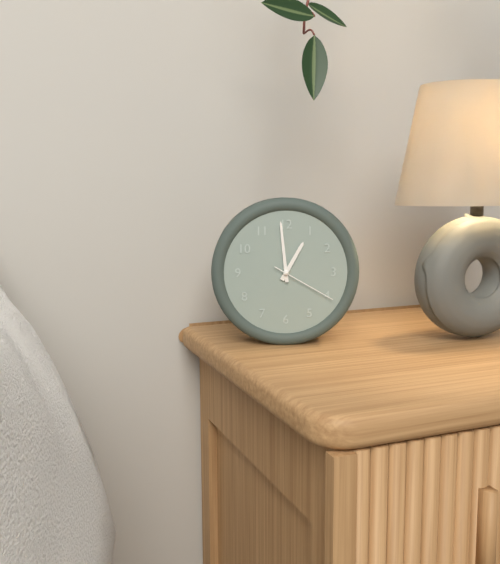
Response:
h=12 m=59 s=20
